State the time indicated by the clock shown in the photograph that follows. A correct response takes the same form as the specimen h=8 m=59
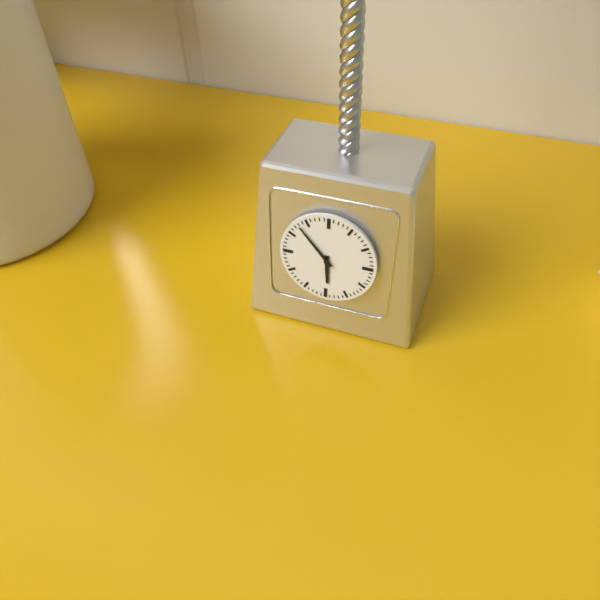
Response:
h=5 m=53
